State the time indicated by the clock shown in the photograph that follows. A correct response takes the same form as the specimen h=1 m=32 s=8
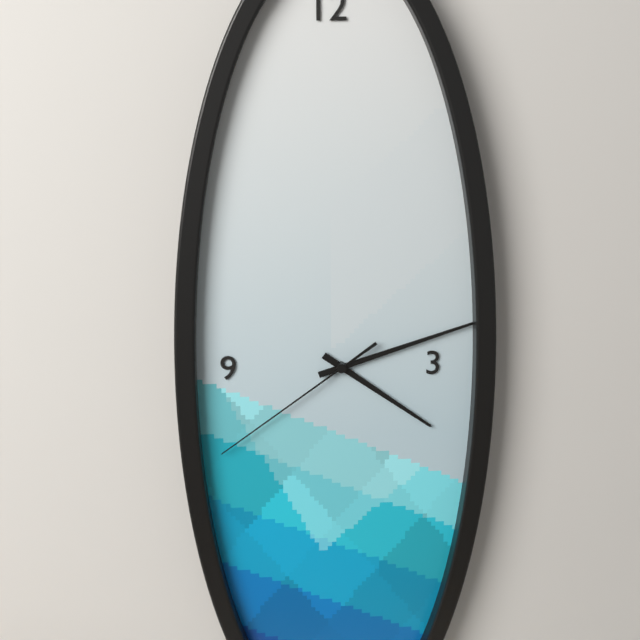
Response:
h=4 m=12 s=39
